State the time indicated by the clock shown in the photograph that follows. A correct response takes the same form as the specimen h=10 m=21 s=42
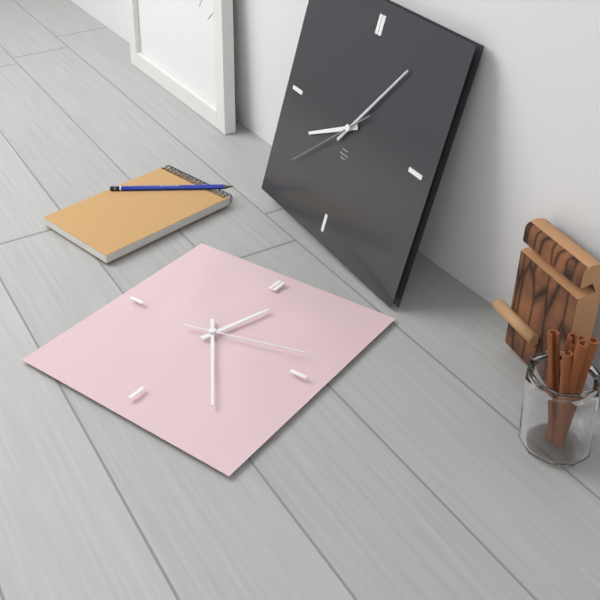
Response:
h=8 m=6 s=38
